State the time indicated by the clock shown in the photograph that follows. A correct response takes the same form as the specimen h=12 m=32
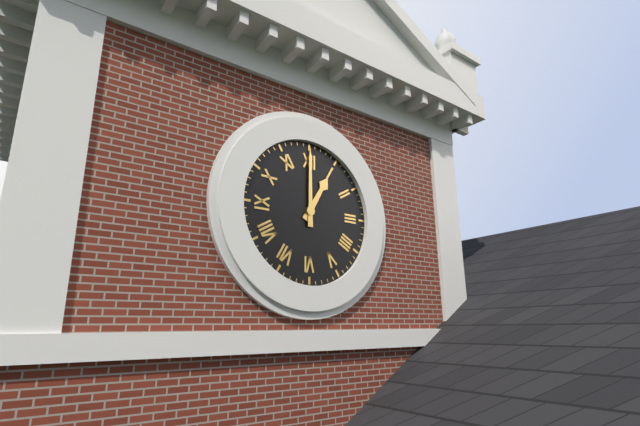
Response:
h=1 m=0
